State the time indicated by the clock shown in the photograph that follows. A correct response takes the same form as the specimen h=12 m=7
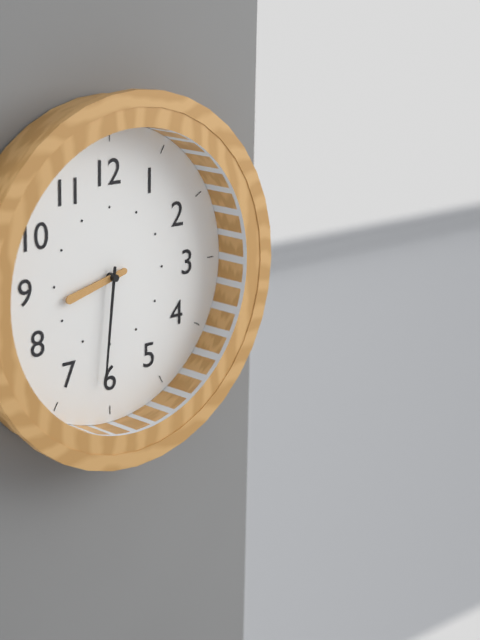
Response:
h=8 m=31
